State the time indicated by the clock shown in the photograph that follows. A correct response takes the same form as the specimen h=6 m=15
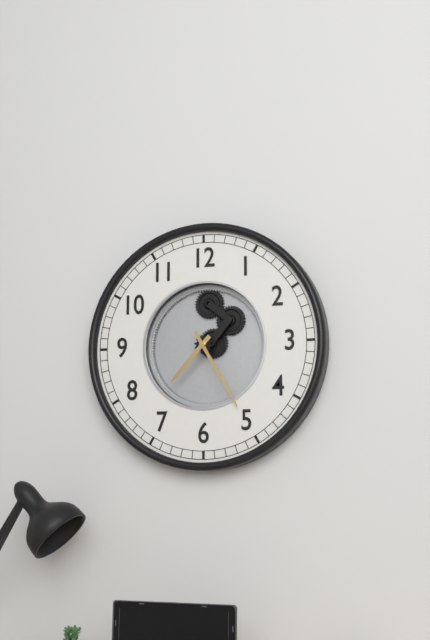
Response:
h=7 m=25
